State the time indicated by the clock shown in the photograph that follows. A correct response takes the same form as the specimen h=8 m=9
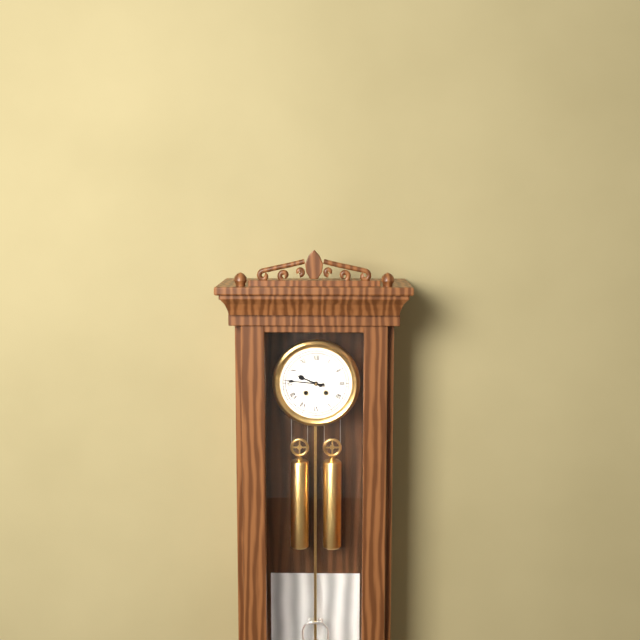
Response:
h=9 m=46
